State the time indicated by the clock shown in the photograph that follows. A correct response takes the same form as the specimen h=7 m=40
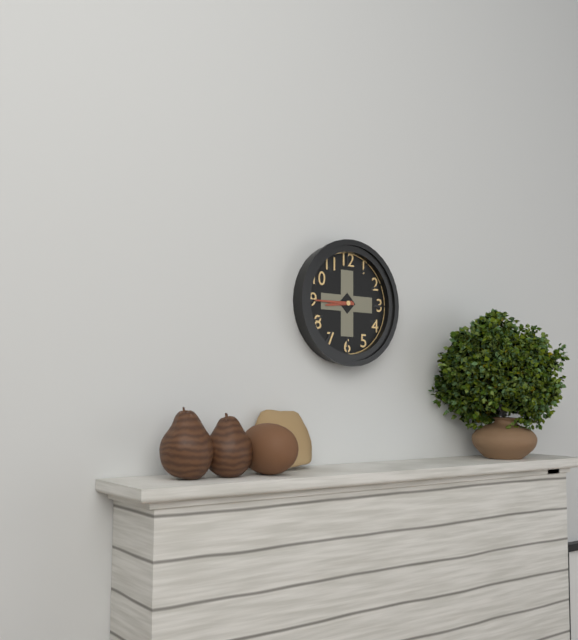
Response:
h=8 m=45
